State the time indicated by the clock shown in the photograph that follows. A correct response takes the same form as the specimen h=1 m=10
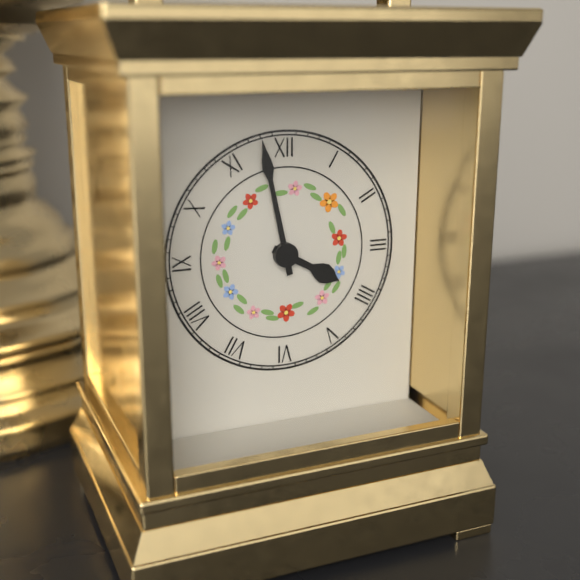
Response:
h=3 m=58
